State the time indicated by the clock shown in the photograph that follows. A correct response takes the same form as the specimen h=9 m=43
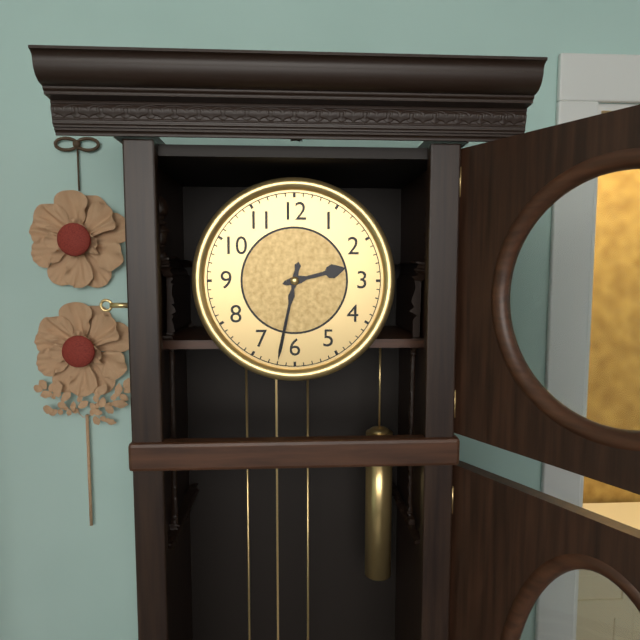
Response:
h=2 m=32
